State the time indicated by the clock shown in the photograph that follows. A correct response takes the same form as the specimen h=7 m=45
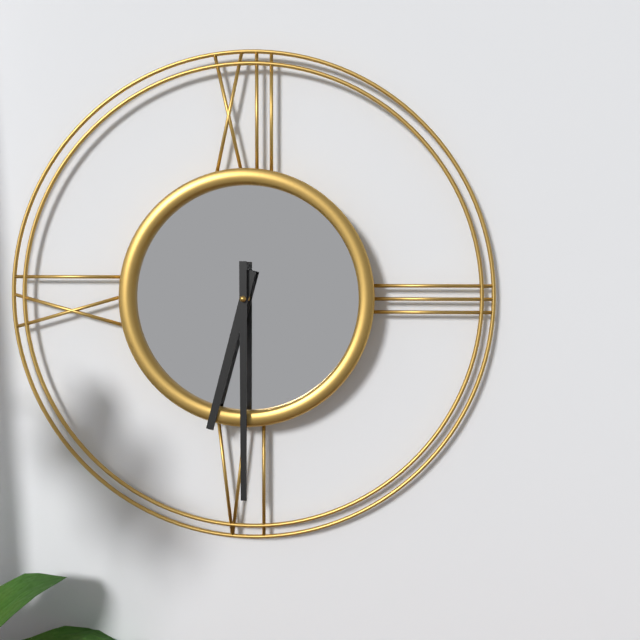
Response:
h=6 m=30
